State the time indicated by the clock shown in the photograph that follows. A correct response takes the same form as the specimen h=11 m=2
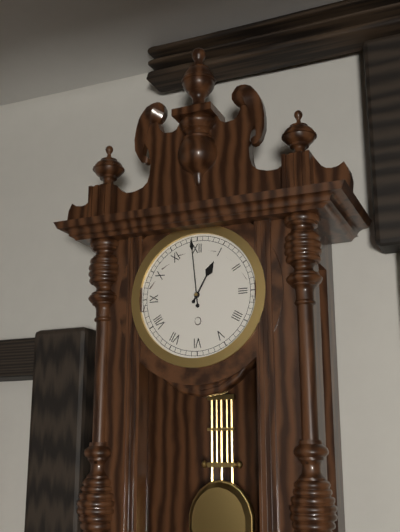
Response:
h=12 m=59
